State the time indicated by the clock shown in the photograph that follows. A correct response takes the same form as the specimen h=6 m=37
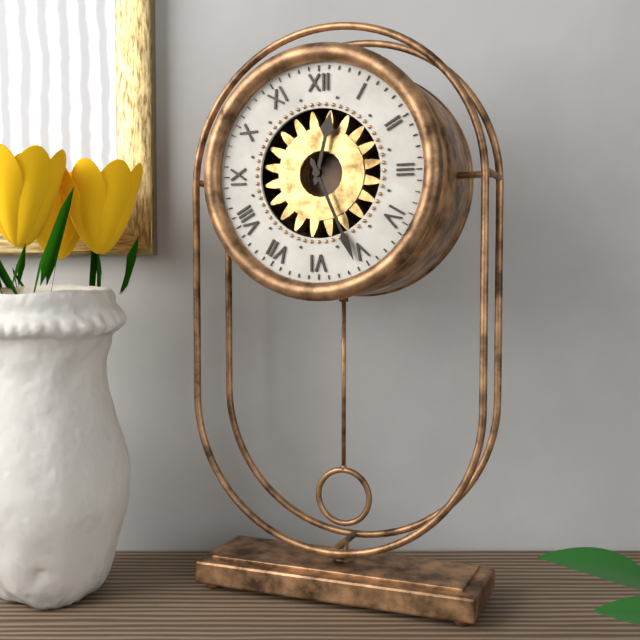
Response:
h=12 m=26
